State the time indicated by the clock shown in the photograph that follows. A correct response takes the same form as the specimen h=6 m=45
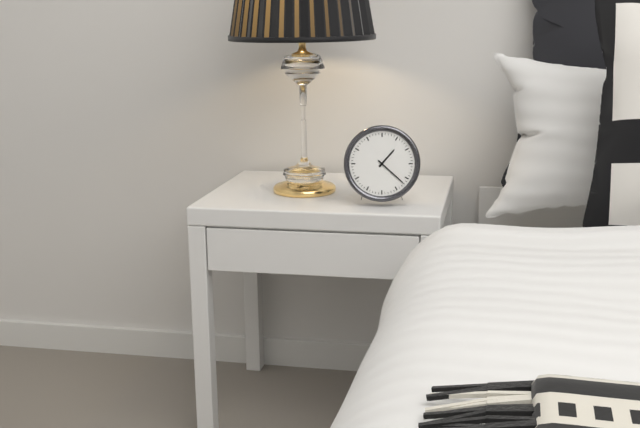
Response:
h=1 m=22
